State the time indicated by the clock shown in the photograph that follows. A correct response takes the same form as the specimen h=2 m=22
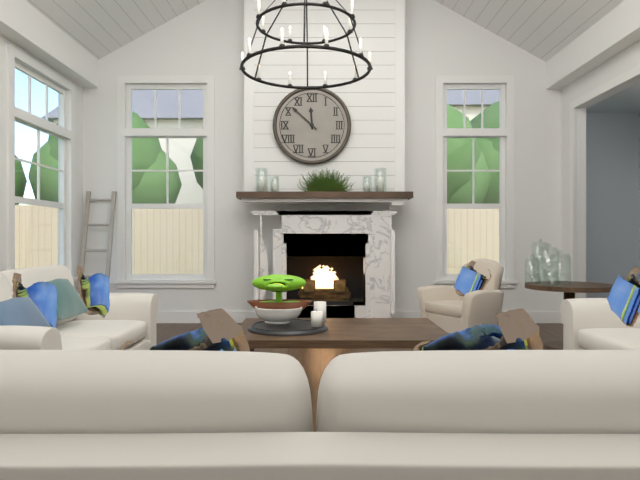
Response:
h=11 m=52
